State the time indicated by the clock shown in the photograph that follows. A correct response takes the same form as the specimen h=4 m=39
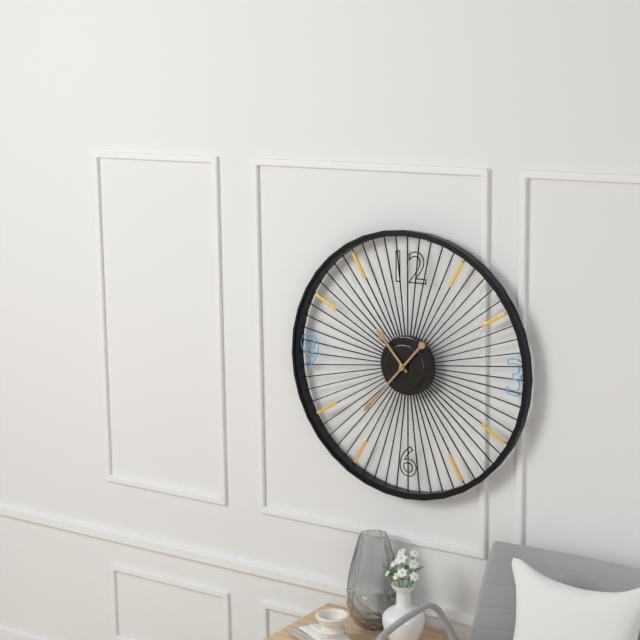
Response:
h=10 m=37
